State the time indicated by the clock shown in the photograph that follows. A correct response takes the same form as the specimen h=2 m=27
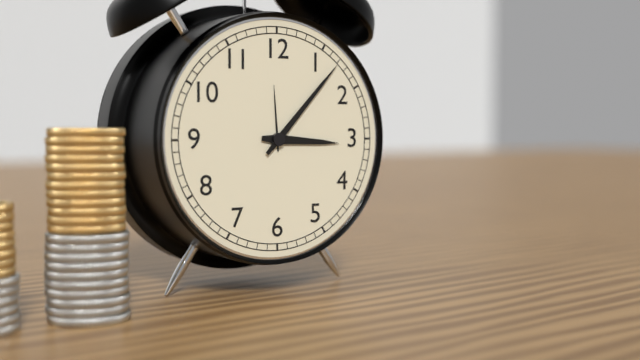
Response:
h=3 m=7
